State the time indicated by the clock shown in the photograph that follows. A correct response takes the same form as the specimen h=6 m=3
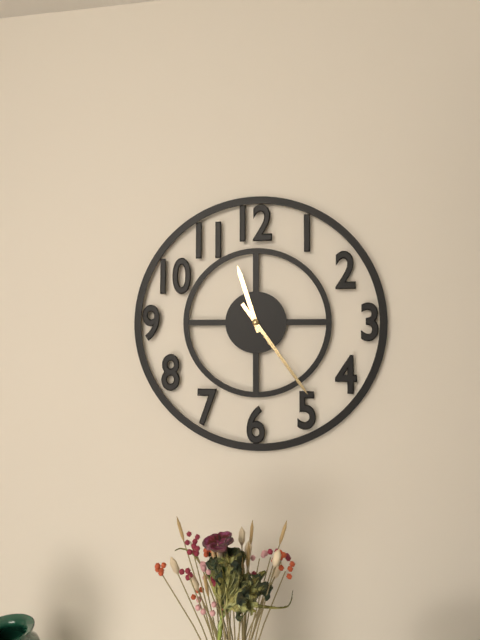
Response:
h=11 m=24
